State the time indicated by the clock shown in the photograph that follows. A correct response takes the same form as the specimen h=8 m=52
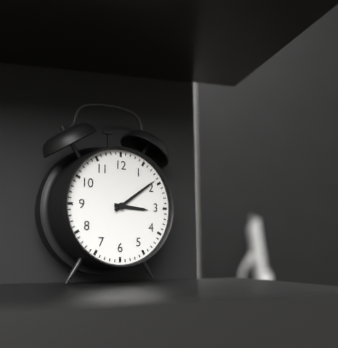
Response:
h=3 m=9
